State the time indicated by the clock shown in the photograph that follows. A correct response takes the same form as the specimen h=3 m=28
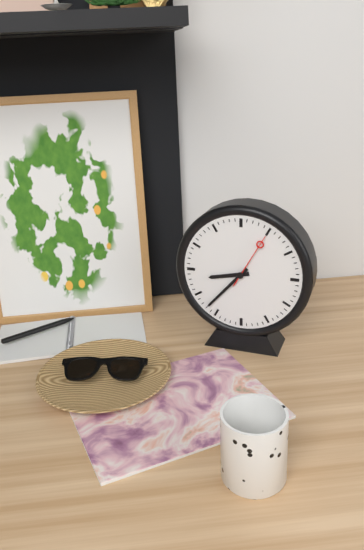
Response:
h=8 m=37
